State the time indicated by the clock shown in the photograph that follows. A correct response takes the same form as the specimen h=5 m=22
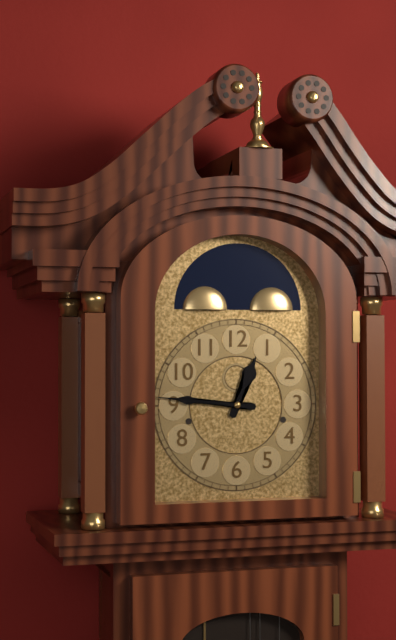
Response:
h=12 m=46
